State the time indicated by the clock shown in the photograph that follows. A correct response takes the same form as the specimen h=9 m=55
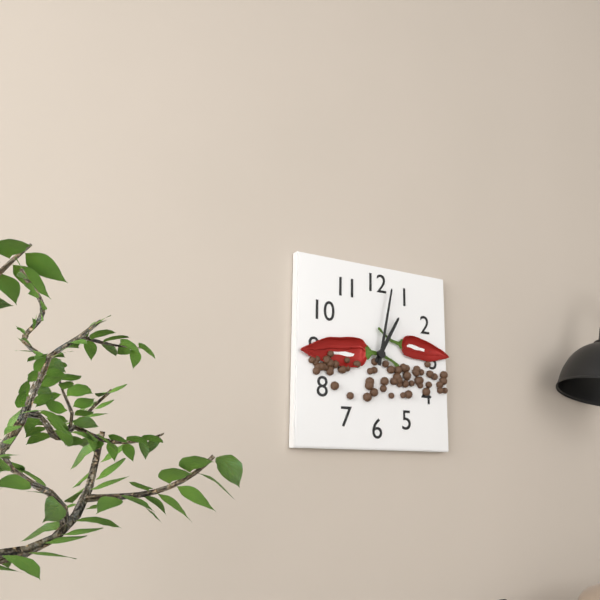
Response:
h=1 m=2
